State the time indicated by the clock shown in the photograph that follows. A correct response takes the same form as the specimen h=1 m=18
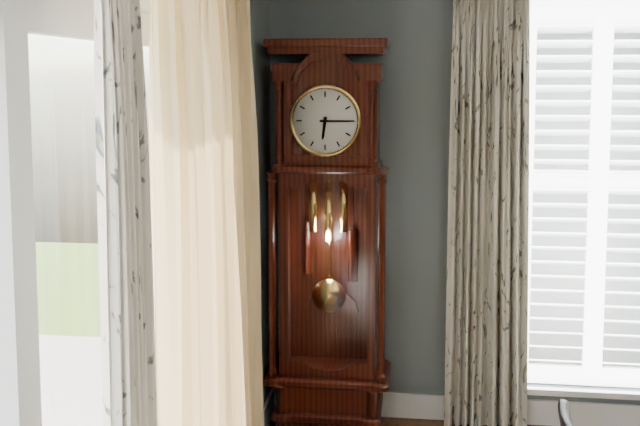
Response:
h=6 m=15
